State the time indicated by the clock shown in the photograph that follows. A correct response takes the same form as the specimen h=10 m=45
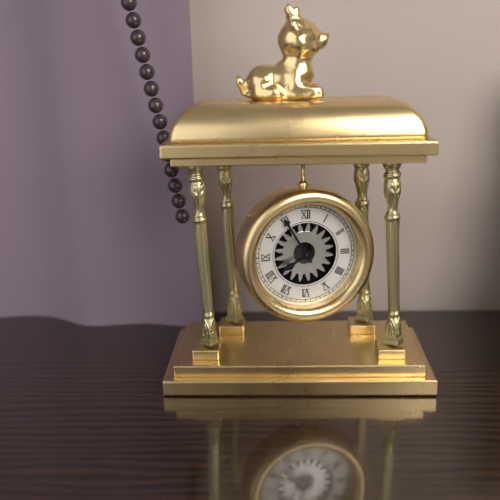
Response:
h=7 m=55
